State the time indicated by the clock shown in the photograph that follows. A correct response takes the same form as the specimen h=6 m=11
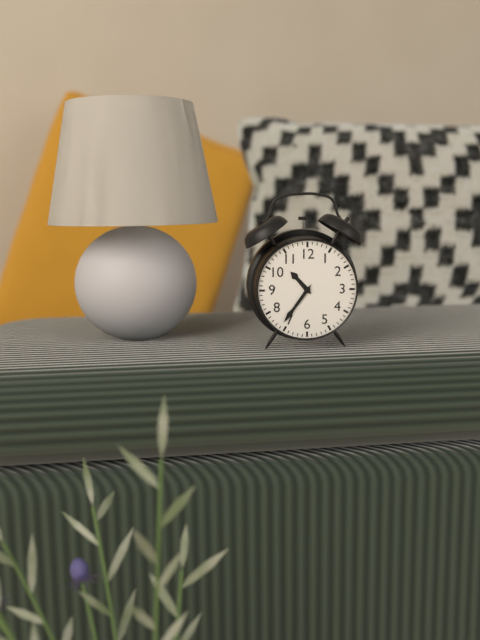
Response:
h=10 m=36
